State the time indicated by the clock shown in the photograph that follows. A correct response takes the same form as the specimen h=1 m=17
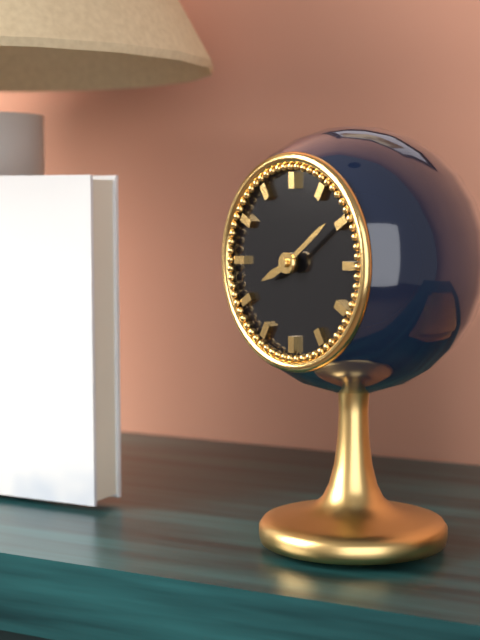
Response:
h=8 m=9
